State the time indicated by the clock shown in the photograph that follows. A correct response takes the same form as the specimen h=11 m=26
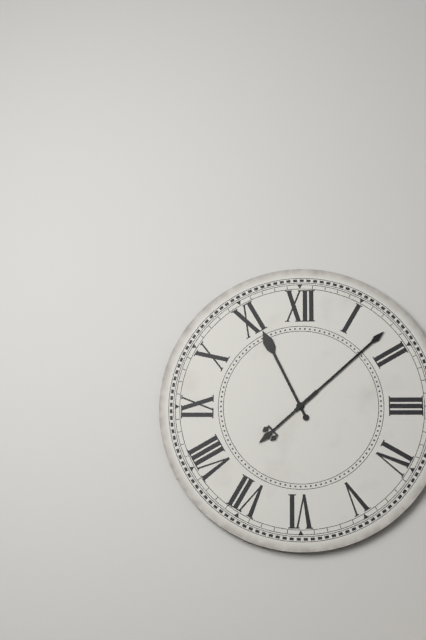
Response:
h=11 m=8
